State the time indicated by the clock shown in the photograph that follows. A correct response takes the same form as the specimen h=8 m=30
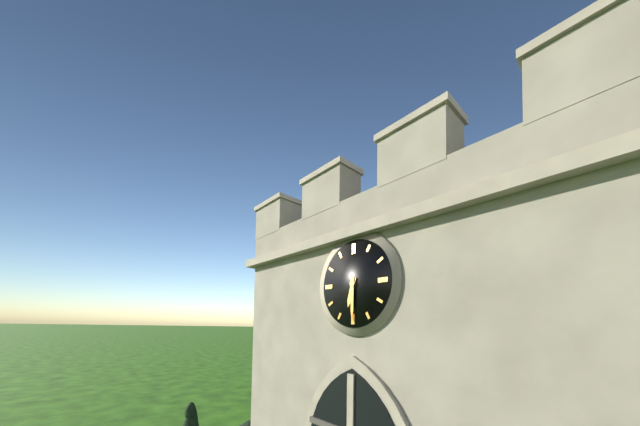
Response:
h=6 m=30
